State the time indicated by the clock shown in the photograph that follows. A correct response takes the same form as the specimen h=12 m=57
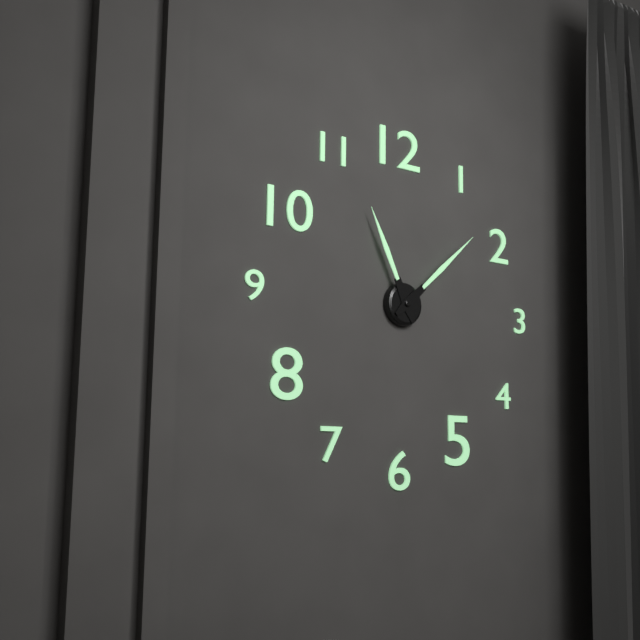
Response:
h=11 m=8
